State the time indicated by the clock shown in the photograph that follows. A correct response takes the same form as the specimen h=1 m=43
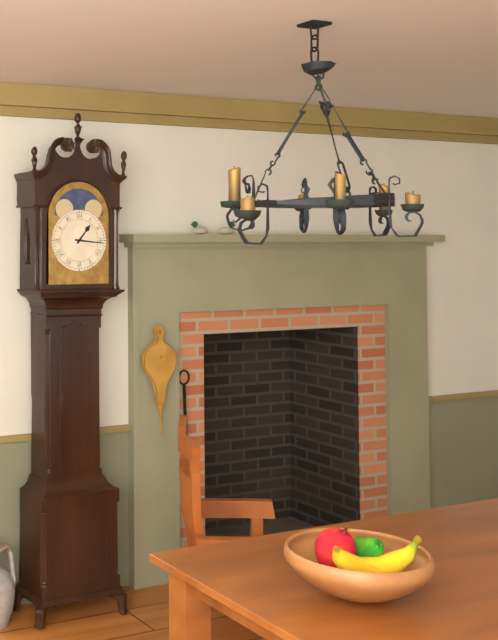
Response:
h=1 m=16
